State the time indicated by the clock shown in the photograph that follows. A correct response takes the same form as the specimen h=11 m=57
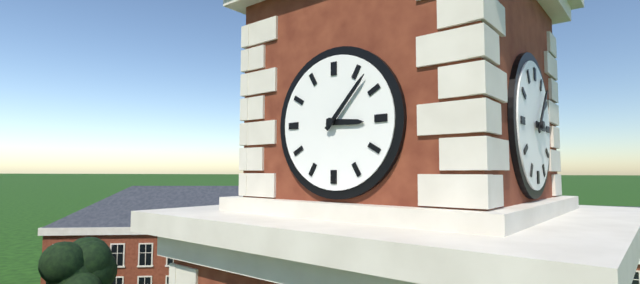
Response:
h=3 m=7
